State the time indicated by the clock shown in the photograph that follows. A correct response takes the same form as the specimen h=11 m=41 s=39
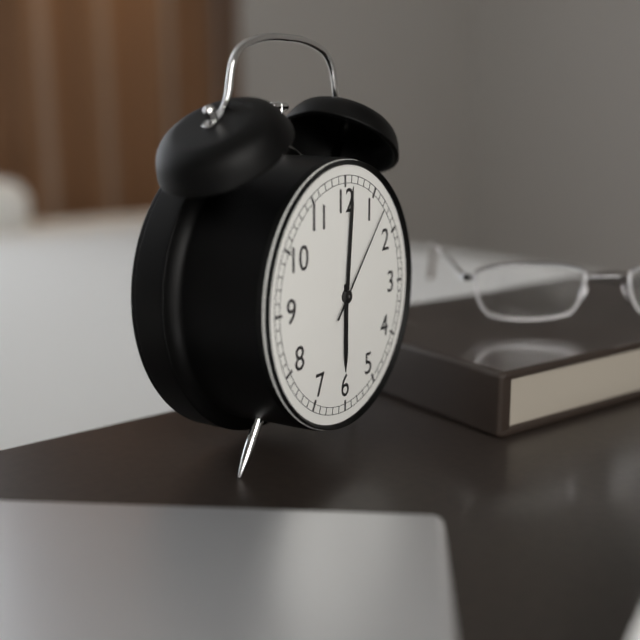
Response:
h=6 m=1 s=7
